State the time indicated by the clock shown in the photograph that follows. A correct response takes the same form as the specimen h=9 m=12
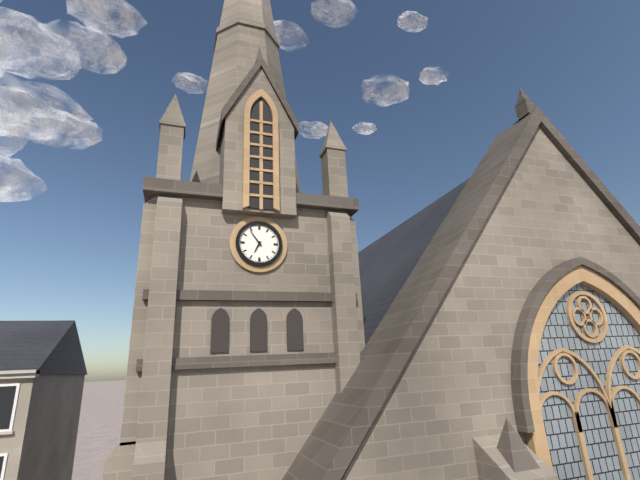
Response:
h=6 m=54
